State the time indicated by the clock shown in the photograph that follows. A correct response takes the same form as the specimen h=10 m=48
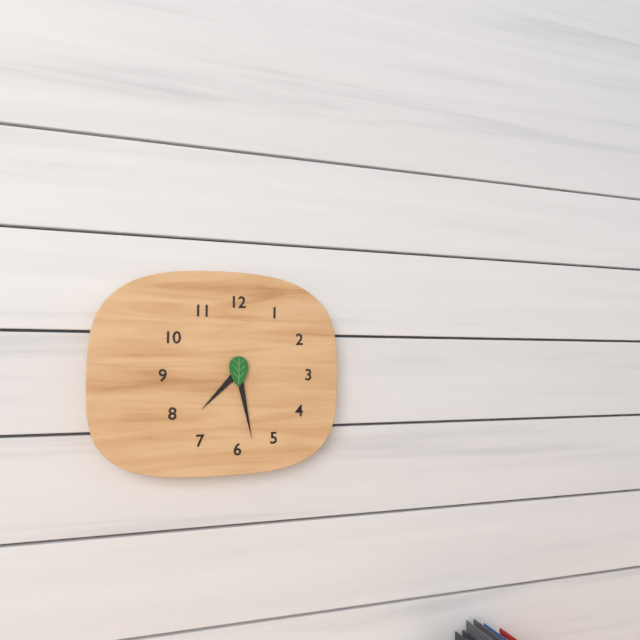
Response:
h=7 m=28
